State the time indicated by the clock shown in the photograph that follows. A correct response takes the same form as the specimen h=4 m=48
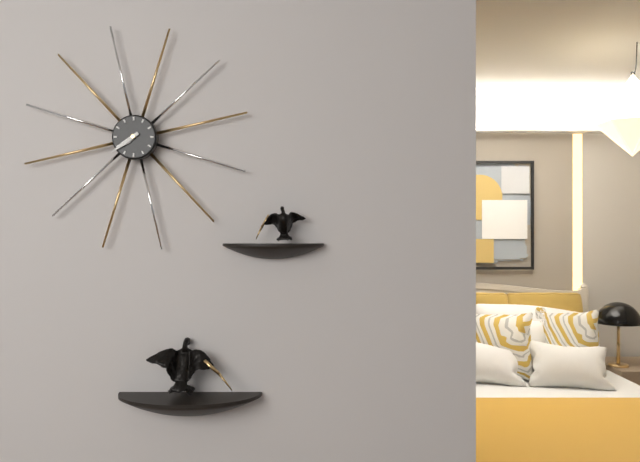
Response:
h=7 m=39
